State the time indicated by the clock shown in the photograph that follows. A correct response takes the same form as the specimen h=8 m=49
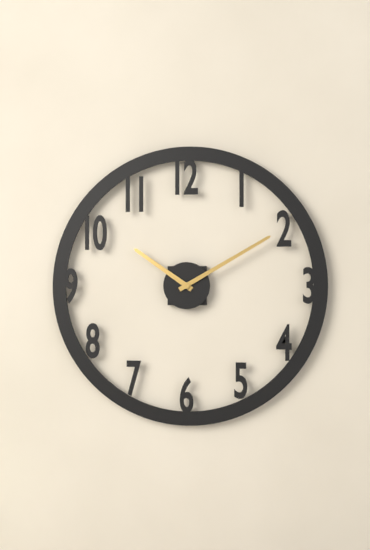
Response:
h=10 m=10
